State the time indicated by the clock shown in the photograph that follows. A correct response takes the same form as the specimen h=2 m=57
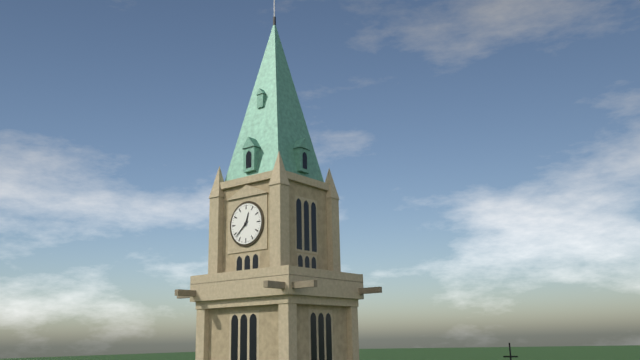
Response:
h=12 m=38
